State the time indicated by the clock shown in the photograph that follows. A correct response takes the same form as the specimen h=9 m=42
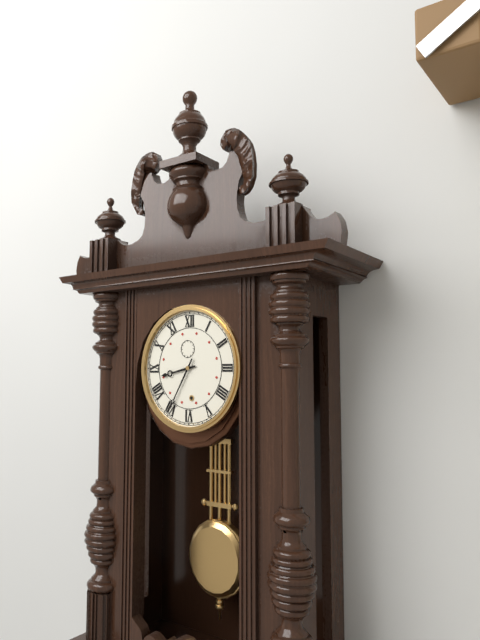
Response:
h=8 m=35
